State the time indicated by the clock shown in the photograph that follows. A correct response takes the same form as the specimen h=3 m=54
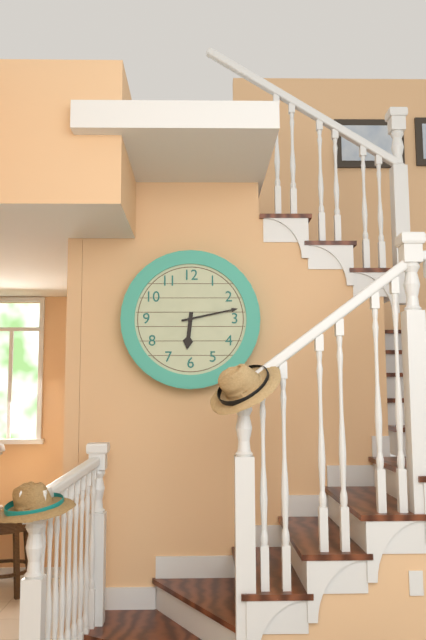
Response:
h=6 m=13
